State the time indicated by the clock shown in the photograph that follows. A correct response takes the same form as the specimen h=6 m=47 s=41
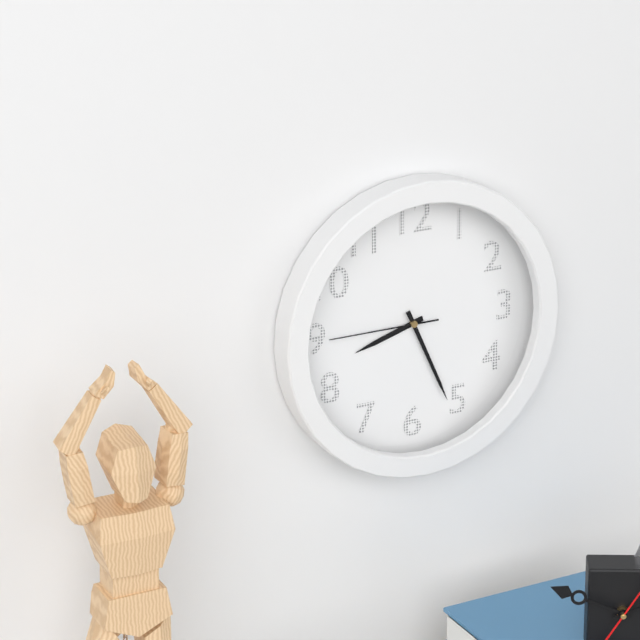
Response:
h=8 m=26 s=45
